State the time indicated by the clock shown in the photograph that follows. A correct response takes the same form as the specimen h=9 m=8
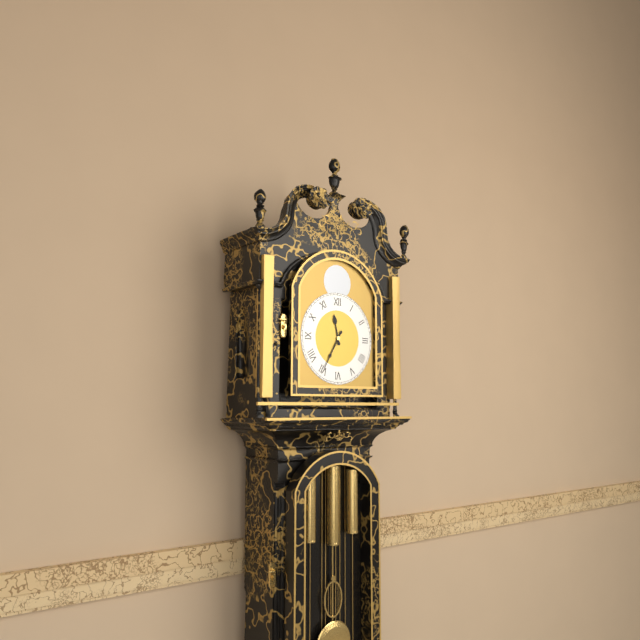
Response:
h=11 m=35
